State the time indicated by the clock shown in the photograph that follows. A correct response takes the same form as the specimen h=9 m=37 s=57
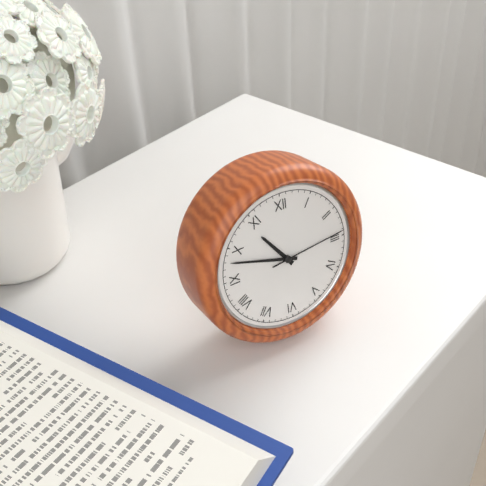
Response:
h=10 m=48 s=14
